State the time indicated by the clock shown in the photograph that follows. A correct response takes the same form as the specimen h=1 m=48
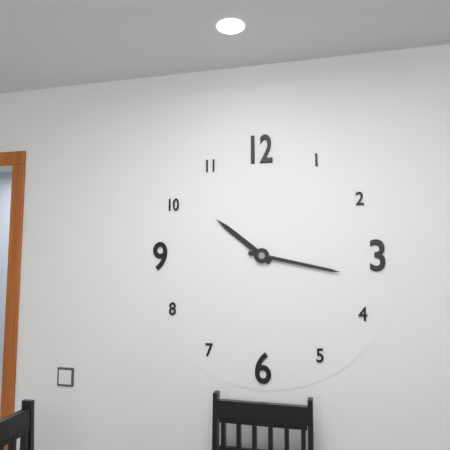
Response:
h=10 m=17
